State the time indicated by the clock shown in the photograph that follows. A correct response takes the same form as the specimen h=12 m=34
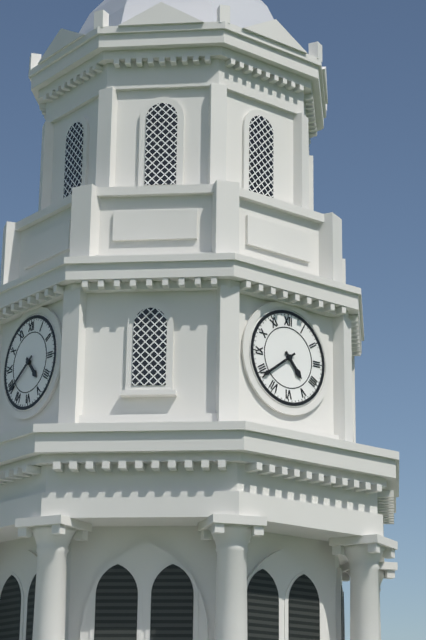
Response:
h=4 m=39
